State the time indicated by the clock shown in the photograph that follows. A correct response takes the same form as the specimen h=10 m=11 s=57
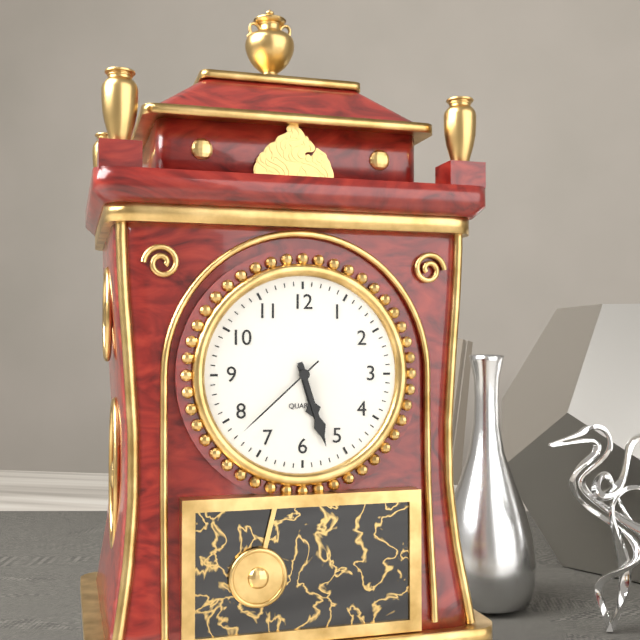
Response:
h=5 m=27 s=38
